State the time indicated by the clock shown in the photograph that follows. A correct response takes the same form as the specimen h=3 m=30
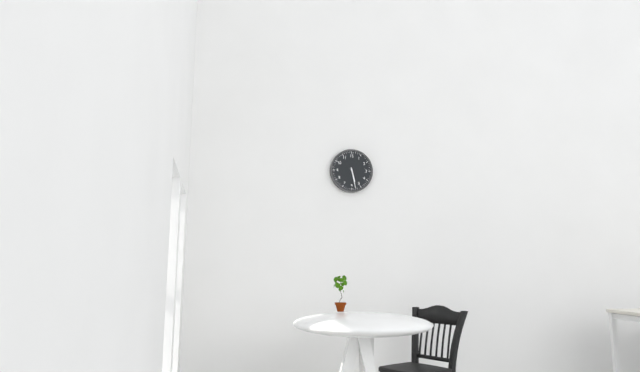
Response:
h=5 m=28
